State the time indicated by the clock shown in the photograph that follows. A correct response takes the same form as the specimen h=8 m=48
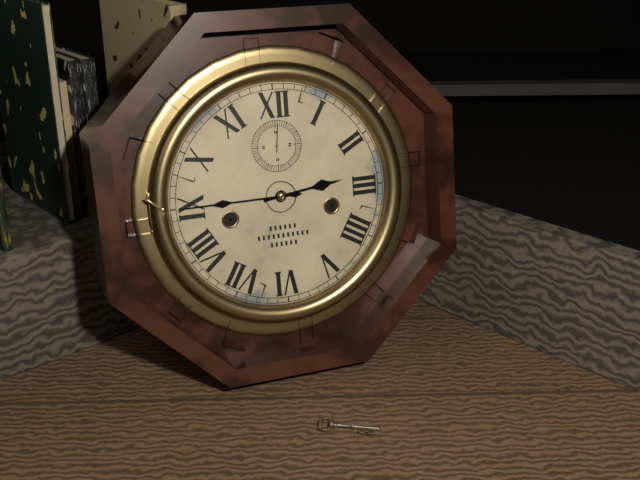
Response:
h=2 m=45
